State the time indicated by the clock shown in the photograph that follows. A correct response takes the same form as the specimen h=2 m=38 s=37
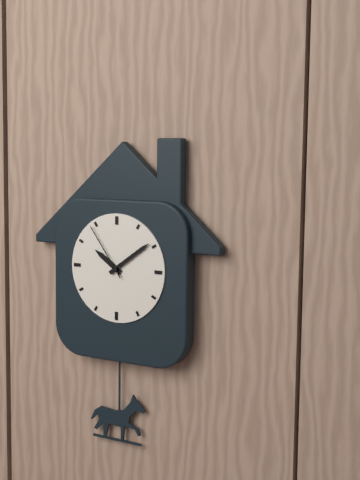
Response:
h=10 m=9 s=54
